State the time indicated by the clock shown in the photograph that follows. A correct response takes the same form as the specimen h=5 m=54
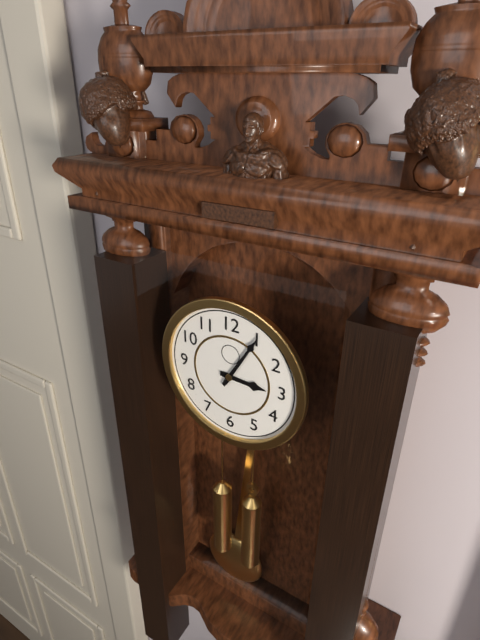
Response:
h=3 m=5
